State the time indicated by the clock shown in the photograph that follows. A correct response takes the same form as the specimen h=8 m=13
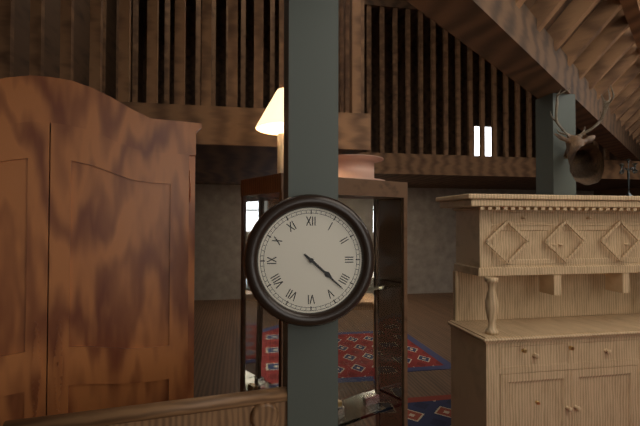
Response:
h=4 m=22
